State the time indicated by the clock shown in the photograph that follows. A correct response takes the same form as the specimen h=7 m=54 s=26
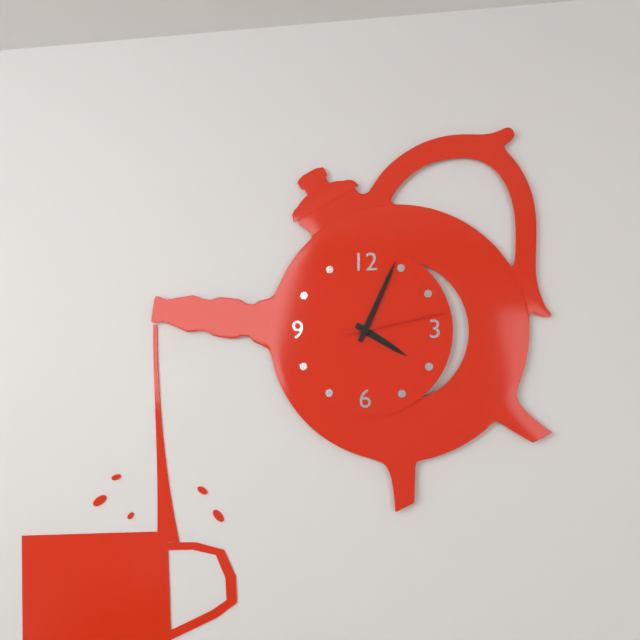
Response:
h=4 m=4 s=13
